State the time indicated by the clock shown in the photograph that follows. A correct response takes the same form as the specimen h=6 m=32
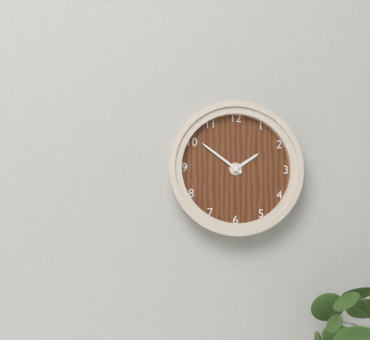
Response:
h=1 m=51
